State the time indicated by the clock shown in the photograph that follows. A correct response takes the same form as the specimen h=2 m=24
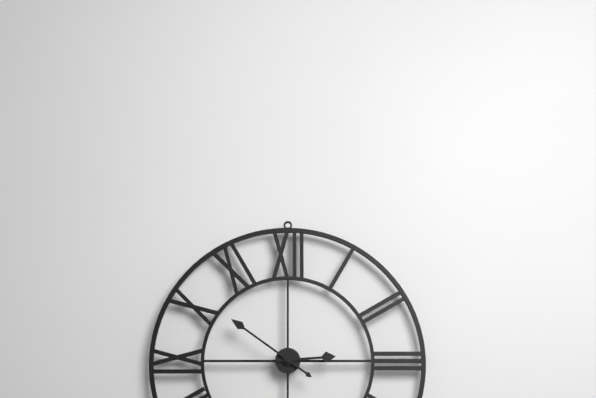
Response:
h=2 m=51
